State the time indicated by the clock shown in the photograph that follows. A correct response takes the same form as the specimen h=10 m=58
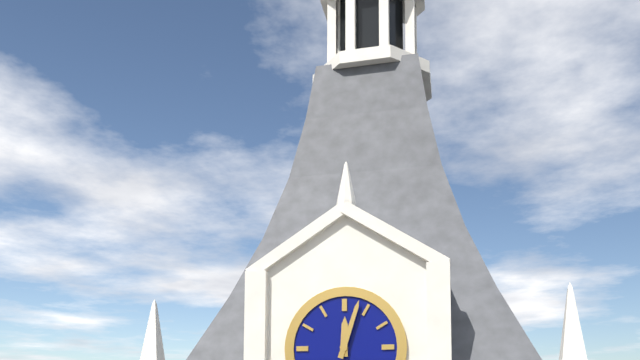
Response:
h=12 m=3
